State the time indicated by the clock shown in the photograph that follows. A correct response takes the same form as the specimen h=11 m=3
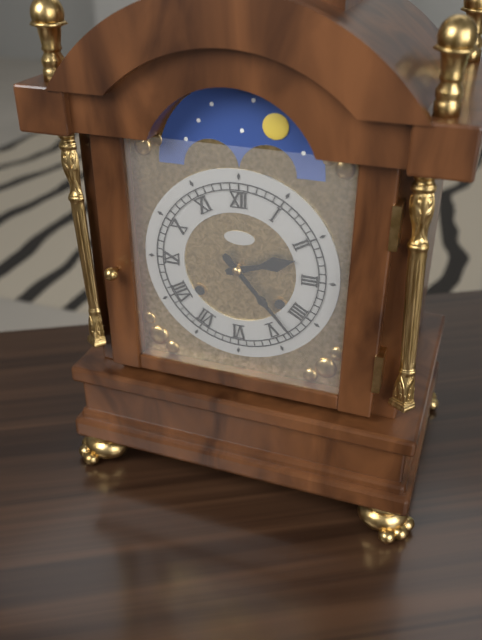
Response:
h=2 m=23
